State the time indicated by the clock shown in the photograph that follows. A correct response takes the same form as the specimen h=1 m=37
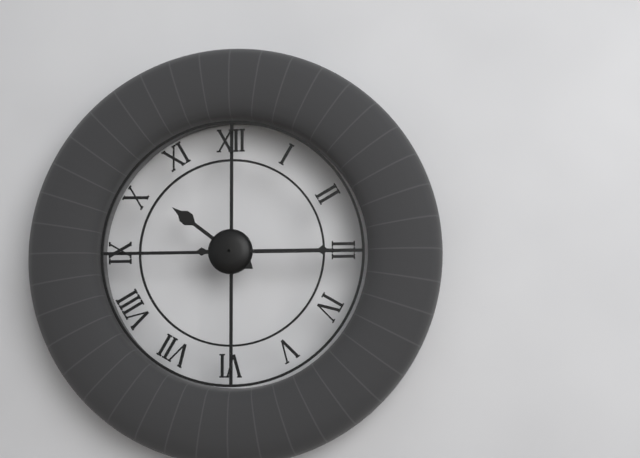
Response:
h=10 m=15
